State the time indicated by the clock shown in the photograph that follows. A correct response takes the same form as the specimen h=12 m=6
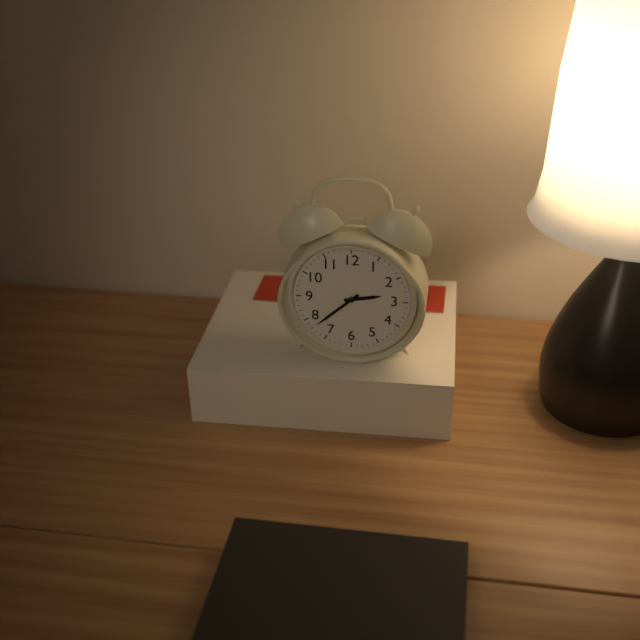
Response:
h=2 m=38
